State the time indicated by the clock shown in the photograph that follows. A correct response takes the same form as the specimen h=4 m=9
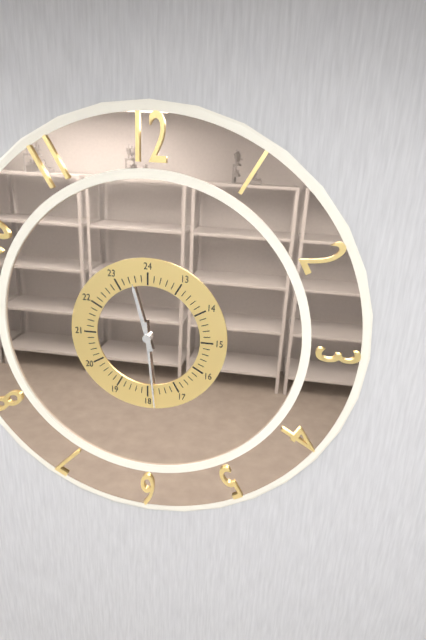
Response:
h=11 m=29
